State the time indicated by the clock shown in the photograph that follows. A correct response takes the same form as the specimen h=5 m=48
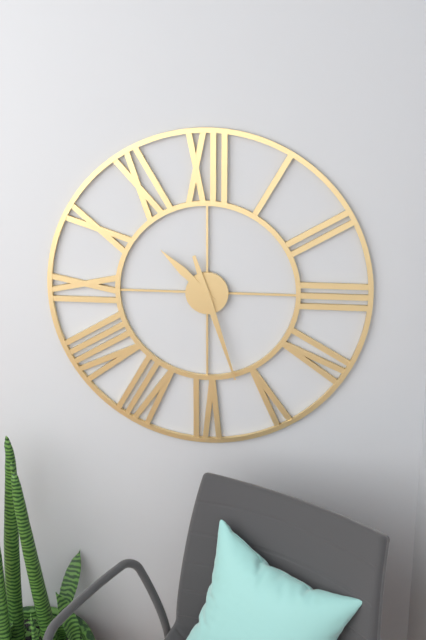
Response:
h=10 m=27
